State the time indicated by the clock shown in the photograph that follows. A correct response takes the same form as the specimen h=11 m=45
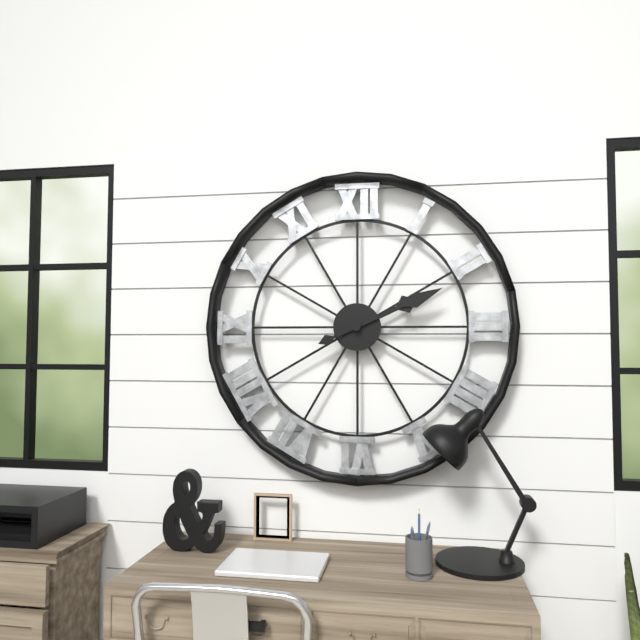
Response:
h=2 m=11
